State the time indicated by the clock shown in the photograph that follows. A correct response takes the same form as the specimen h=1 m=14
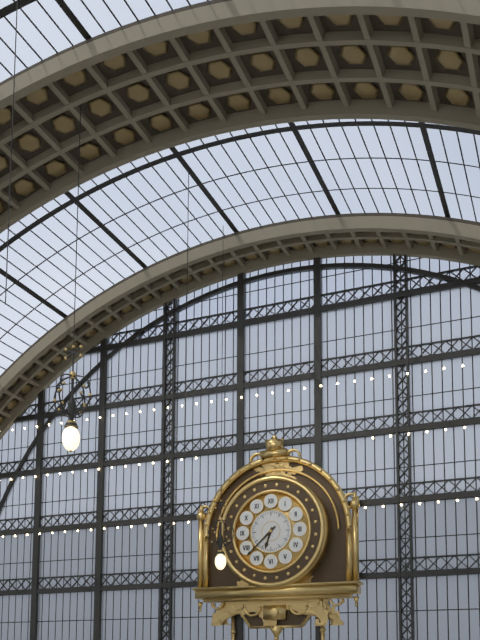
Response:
h=6 m=38
